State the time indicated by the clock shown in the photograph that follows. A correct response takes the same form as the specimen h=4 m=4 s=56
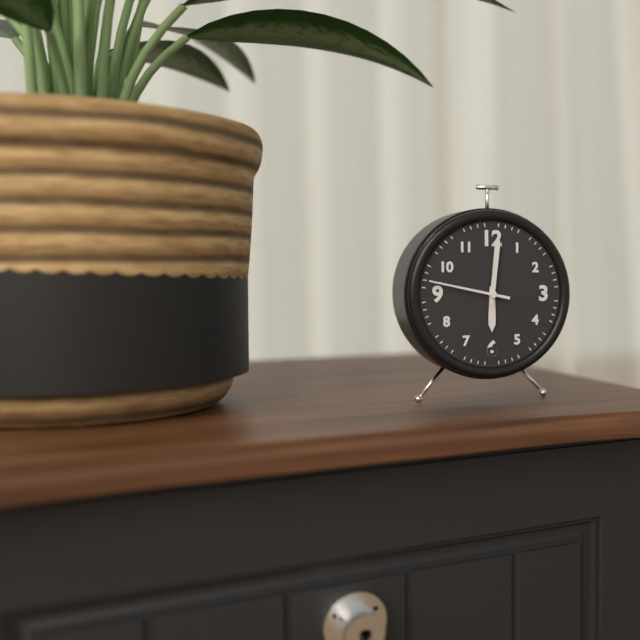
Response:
h=6 m=1 s=47
